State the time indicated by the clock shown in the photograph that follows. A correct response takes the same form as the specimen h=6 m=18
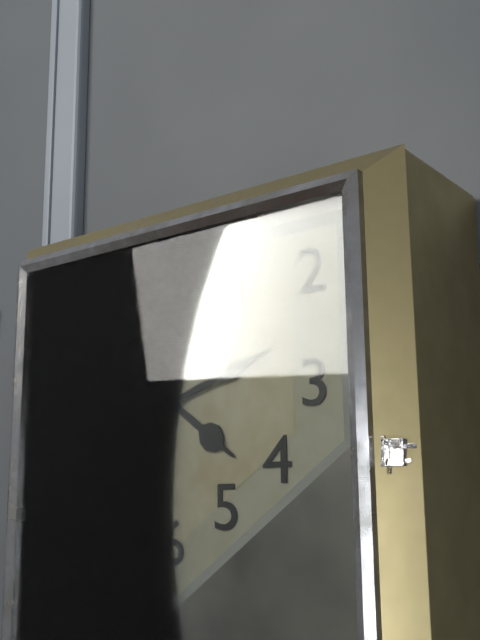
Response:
h=4 m=12
